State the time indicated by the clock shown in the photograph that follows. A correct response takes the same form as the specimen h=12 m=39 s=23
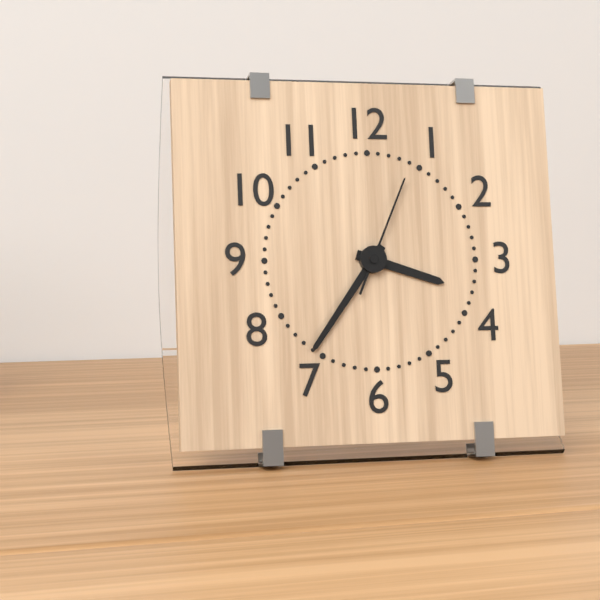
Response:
h=3 m=36 s=4
